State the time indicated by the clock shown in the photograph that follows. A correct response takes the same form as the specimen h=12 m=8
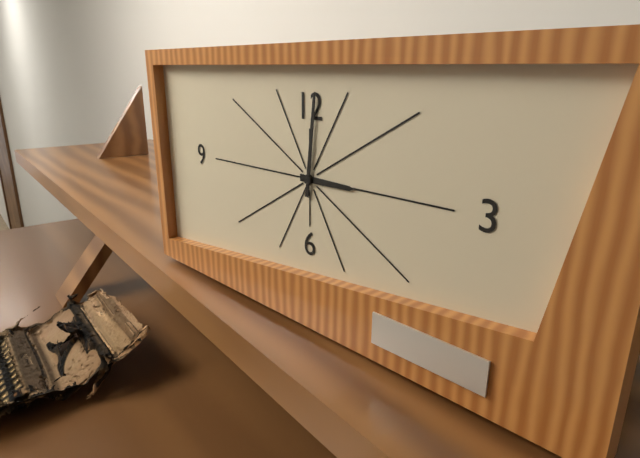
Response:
h=3 m=1
